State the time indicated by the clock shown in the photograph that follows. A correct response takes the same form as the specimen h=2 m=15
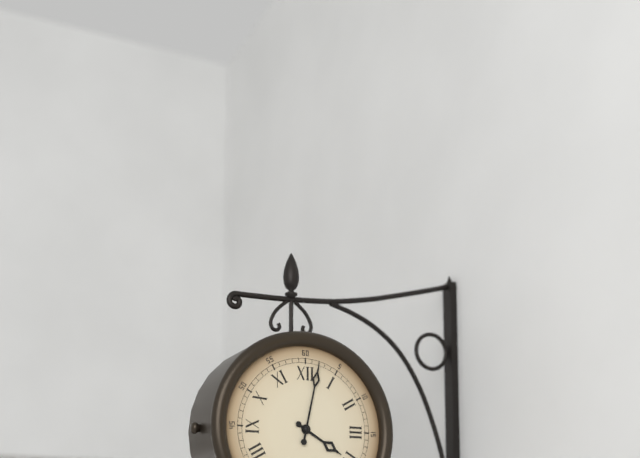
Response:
h=4 m=2
